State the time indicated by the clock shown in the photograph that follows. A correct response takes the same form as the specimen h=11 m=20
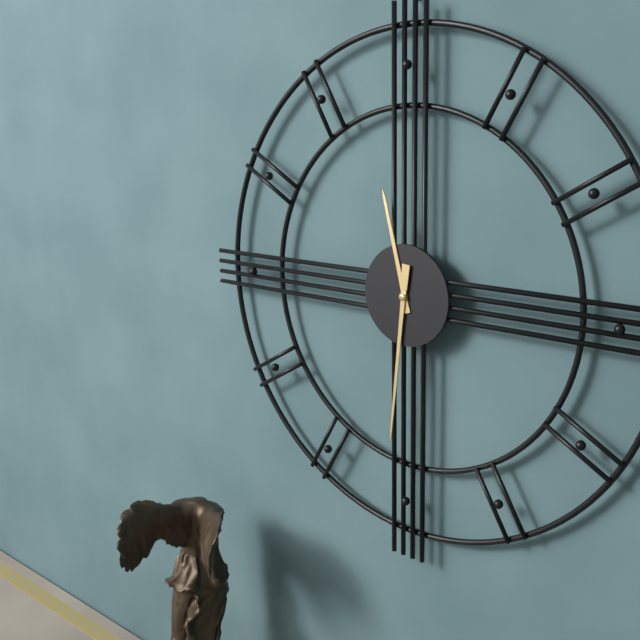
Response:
h=11 m=31
